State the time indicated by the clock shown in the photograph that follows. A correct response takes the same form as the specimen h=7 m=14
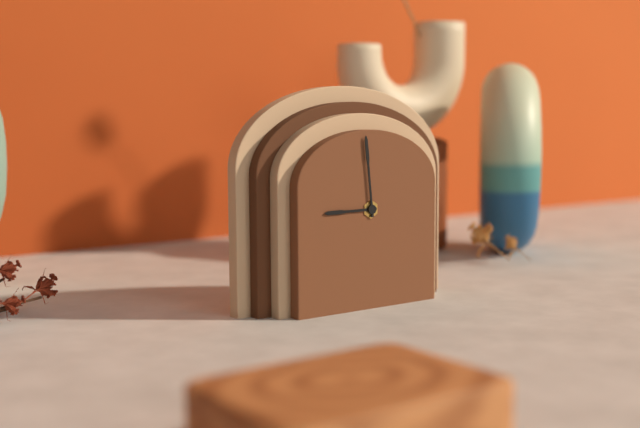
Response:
h=8 m=59
